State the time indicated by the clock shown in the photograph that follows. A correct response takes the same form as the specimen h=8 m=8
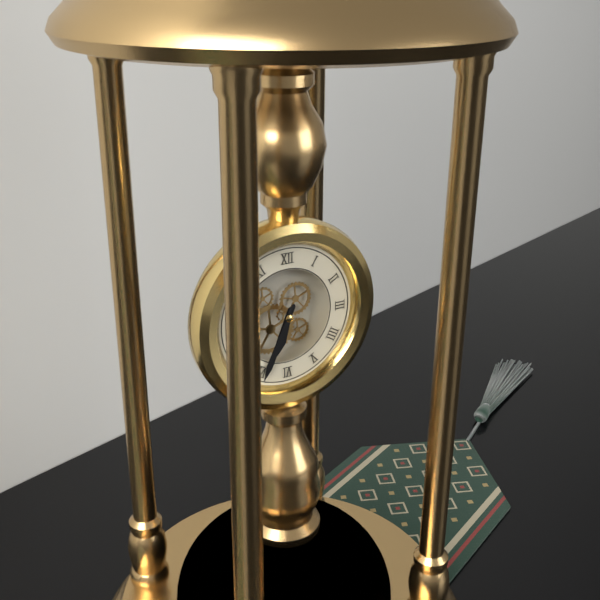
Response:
h=6 m=34
